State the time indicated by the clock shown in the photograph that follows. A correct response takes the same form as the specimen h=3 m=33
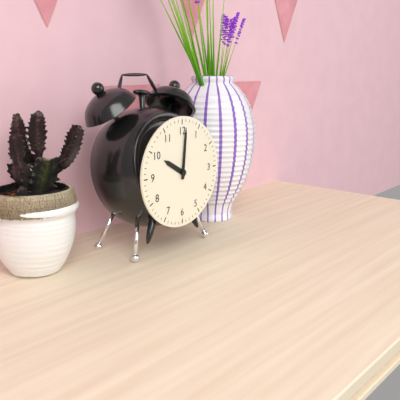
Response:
h=10 m=1
